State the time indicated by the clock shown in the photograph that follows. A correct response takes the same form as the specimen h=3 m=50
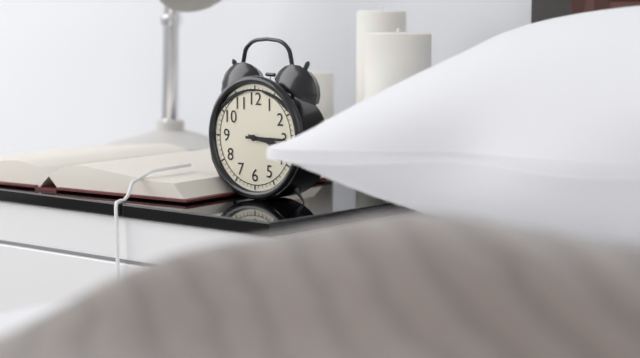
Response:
h=3 m=15
